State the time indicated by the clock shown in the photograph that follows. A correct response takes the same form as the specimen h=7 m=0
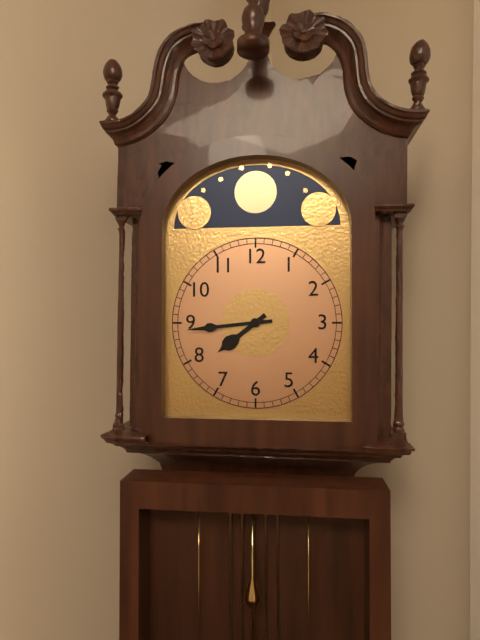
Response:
h=7 m=44
